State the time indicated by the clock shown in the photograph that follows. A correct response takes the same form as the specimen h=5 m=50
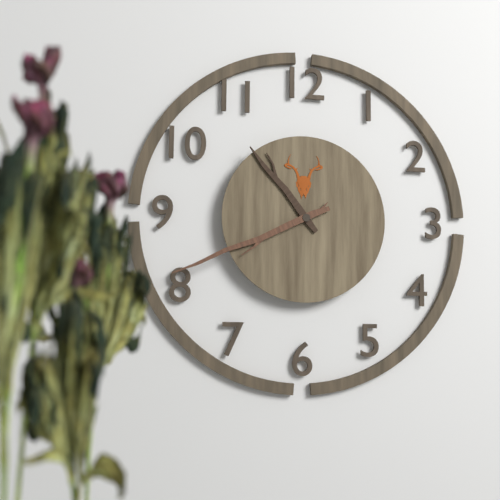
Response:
h=10 m=41
